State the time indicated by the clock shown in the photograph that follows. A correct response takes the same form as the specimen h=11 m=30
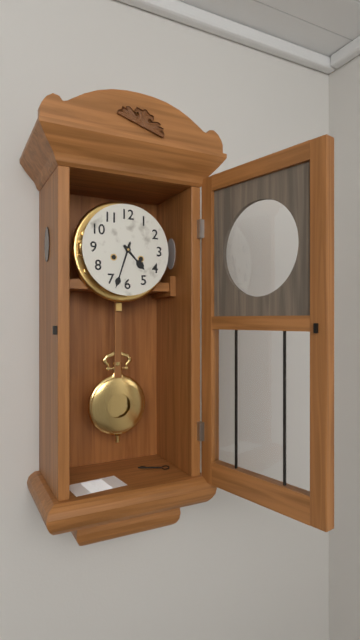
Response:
h=4 m=33
